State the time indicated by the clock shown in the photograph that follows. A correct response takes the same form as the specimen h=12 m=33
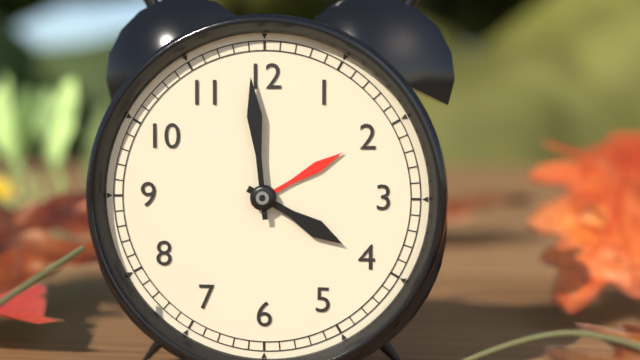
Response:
h=3 m=59
